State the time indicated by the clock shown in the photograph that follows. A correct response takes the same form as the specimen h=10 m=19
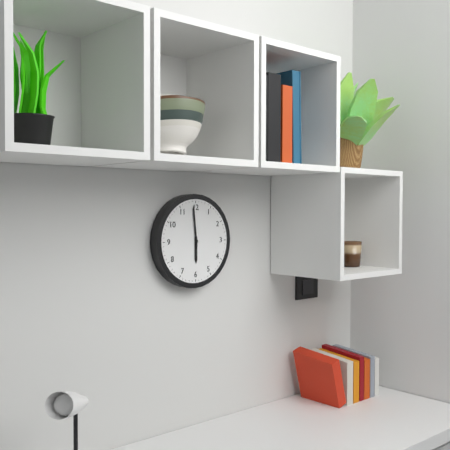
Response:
h=5 m=59
